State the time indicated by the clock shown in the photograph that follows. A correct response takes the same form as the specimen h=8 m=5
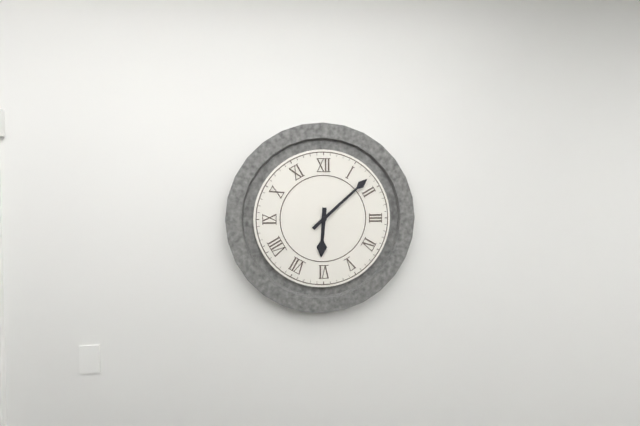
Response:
h=6 m=8
